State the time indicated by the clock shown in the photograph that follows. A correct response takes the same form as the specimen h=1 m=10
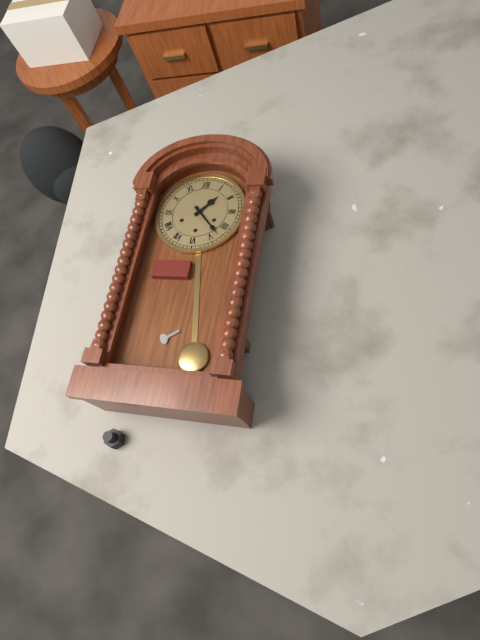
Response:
h=1 m=23
